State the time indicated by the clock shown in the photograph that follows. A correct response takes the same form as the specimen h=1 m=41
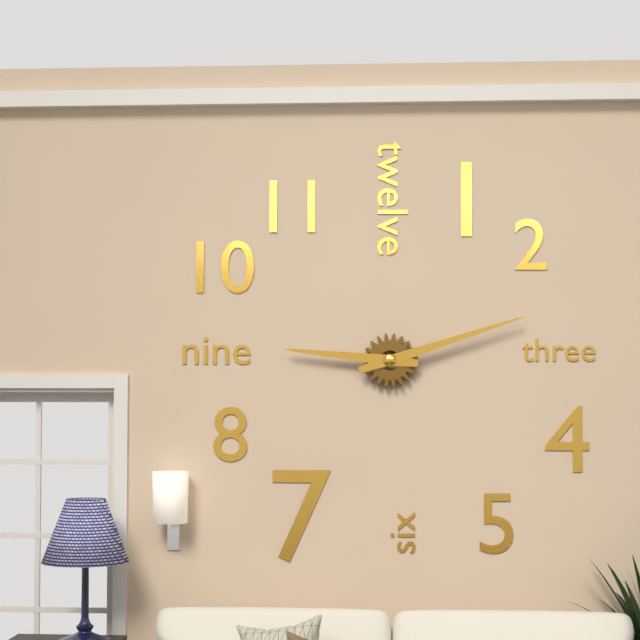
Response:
h=9 m=12
